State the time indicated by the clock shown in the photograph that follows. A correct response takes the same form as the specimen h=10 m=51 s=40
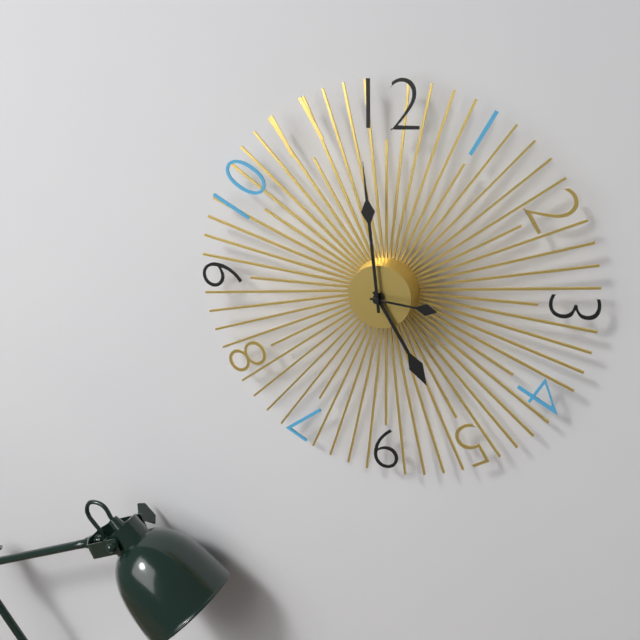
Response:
h=4 m=59 s=16
